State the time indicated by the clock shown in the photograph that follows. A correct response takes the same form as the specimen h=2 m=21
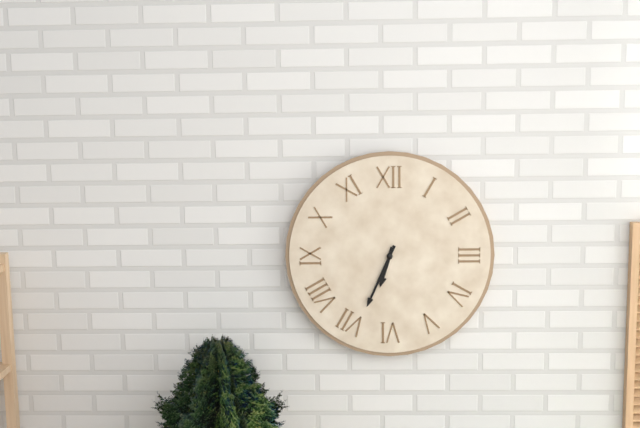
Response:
h=6 m=34
